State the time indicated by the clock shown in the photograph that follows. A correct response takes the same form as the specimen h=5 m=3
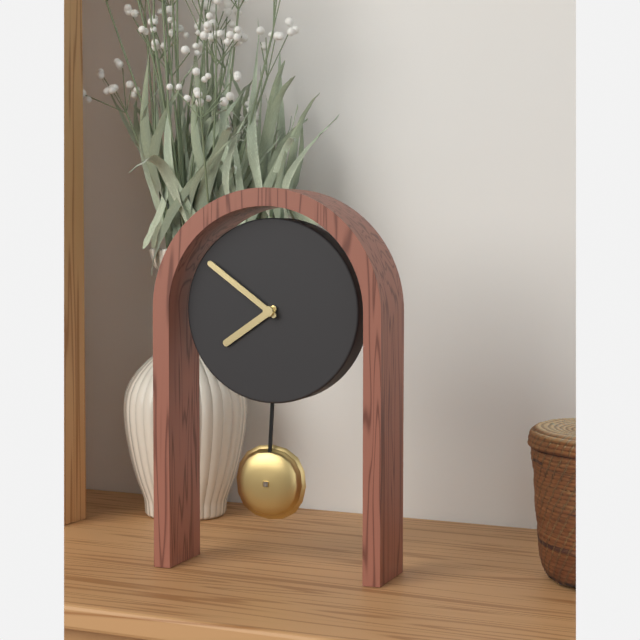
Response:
h=7 m=51
